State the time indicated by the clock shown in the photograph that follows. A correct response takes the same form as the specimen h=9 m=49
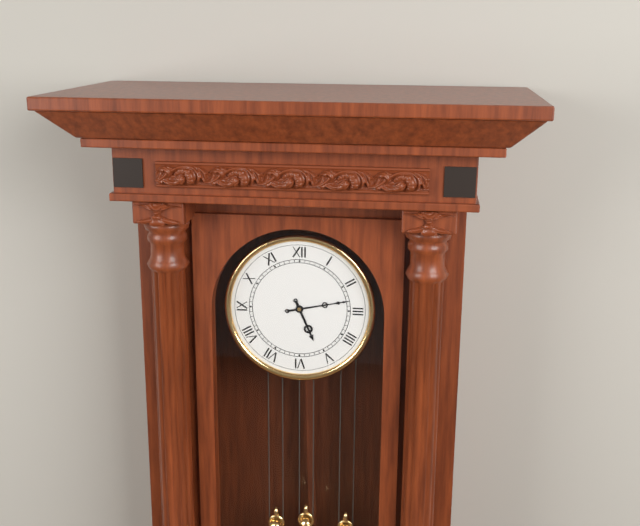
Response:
h=5 m=13
